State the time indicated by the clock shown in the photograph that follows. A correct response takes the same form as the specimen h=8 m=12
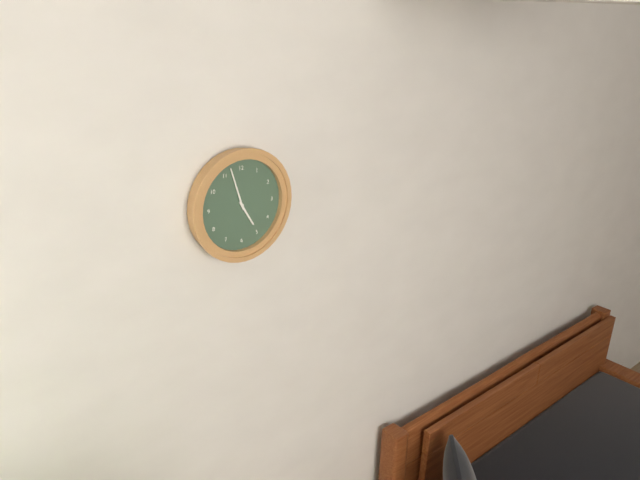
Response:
h=4 m=57
